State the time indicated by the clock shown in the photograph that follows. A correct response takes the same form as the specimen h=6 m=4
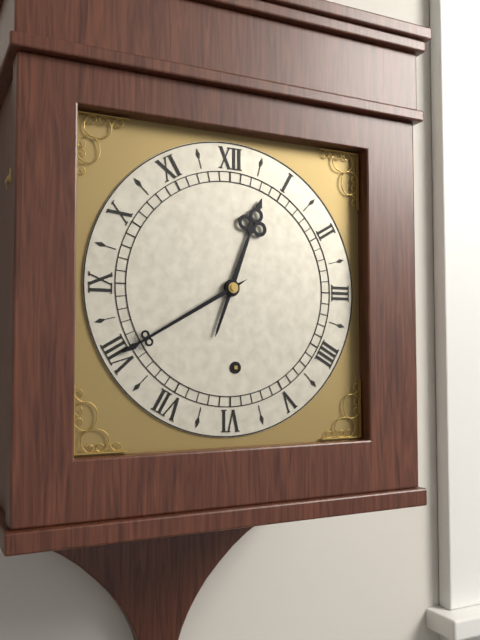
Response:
h=12 m=40
